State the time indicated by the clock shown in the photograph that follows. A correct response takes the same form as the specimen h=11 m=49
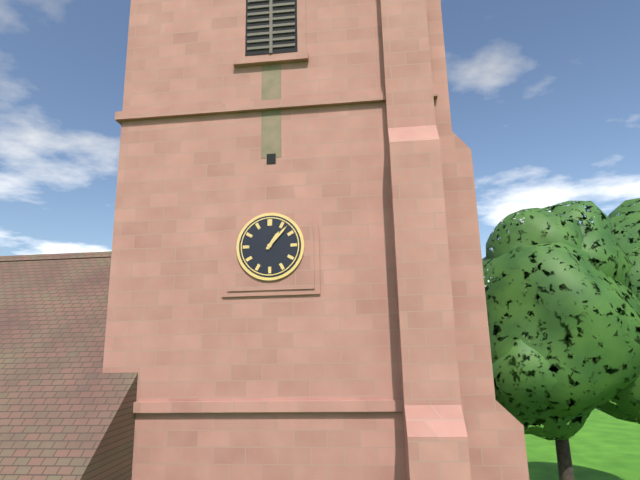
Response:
h=1 m=7
